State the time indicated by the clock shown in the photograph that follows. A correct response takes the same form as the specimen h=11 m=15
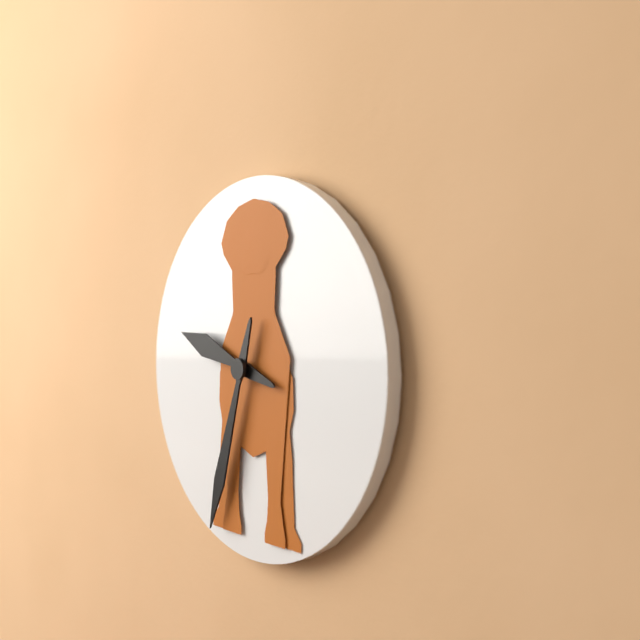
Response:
h=9 m=33
